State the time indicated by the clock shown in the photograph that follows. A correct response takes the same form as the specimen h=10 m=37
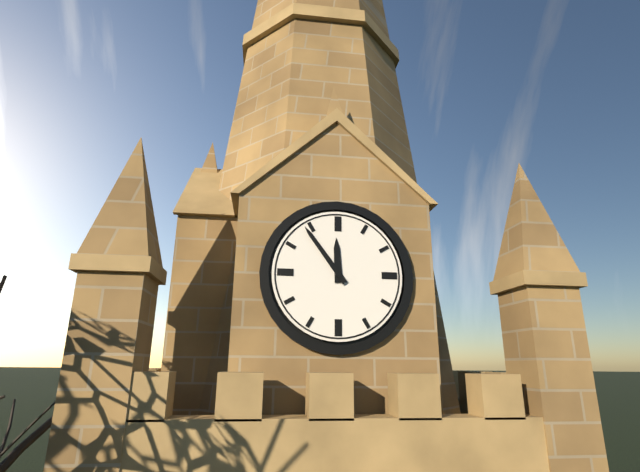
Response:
h=11 m=54
